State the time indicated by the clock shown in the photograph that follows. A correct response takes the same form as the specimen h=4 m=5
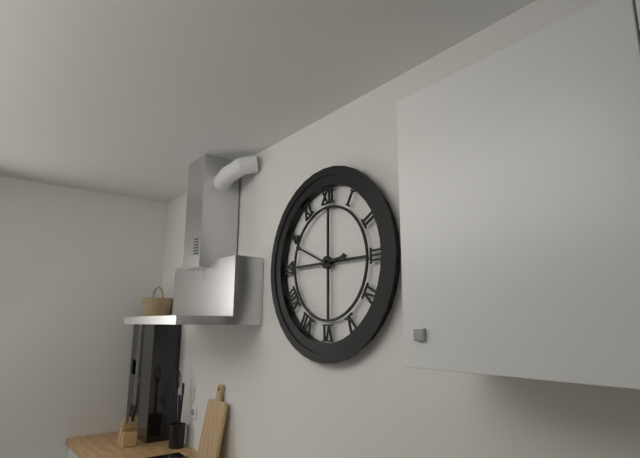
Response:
h=2 m=49
